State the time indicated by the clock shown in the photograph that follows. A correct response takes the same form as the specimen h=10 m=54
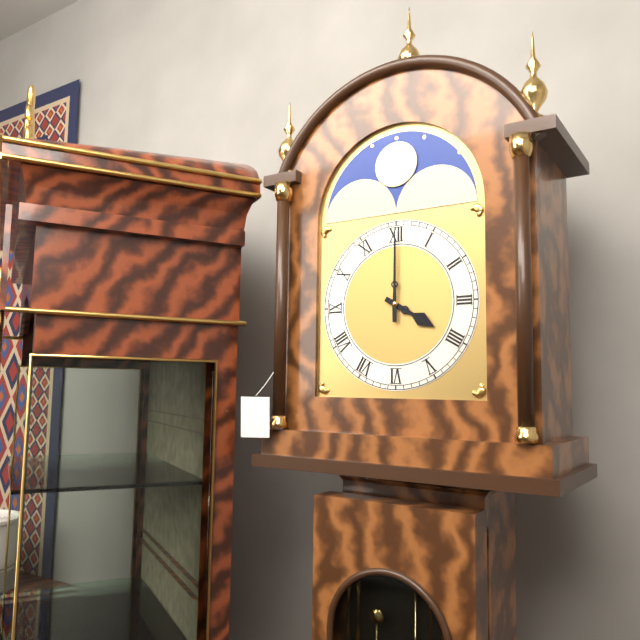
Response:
h=4 m=0
